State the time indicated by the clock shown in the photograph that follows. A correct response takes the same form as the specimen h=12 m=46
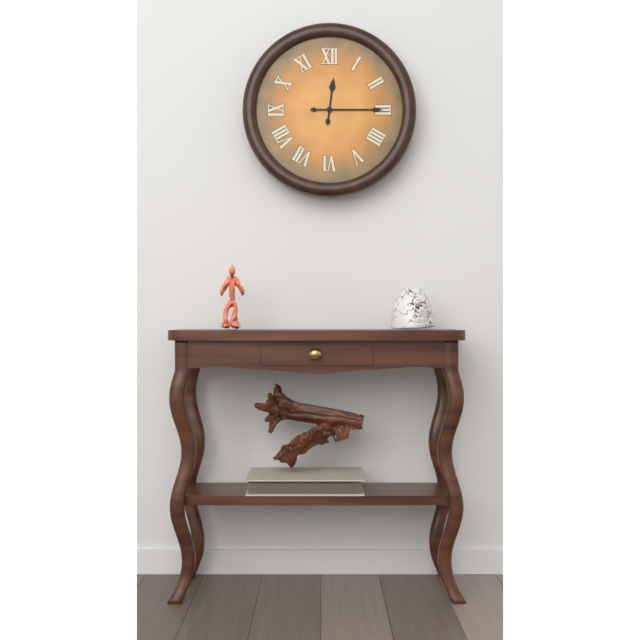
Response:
h=12 m=15
